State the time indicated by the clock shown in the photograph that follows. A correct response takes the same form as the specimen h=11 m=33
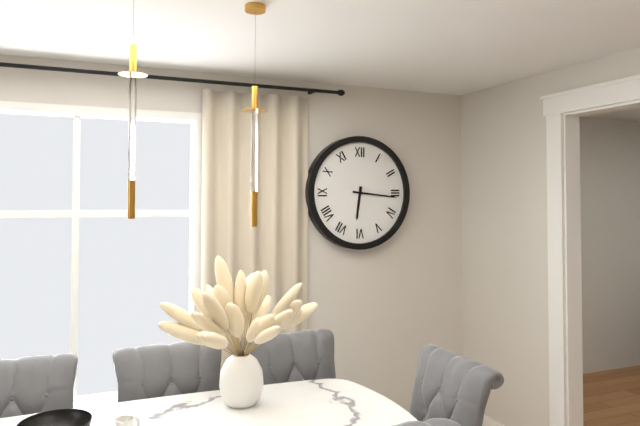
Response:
h=6 m=16
